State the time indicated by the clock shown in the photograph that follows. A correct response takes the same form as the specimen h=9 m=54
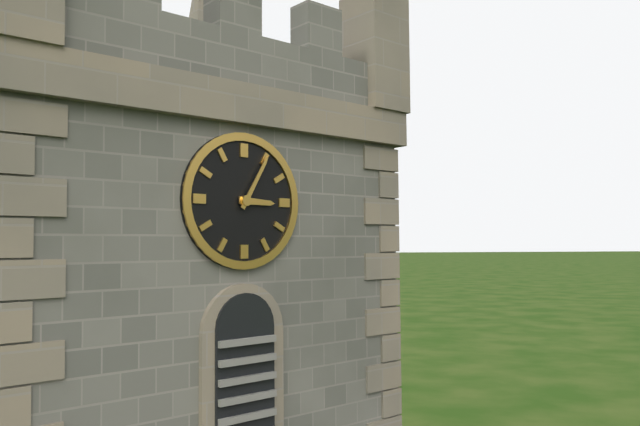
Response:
h=3 m=5
